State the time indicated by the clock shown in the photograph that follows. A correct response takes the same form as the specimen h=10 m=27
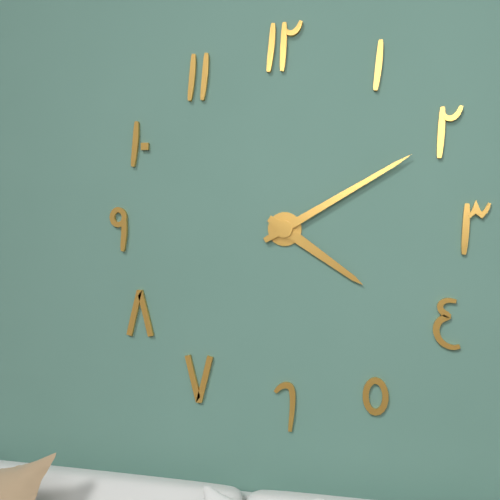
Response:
h=4 m=10
